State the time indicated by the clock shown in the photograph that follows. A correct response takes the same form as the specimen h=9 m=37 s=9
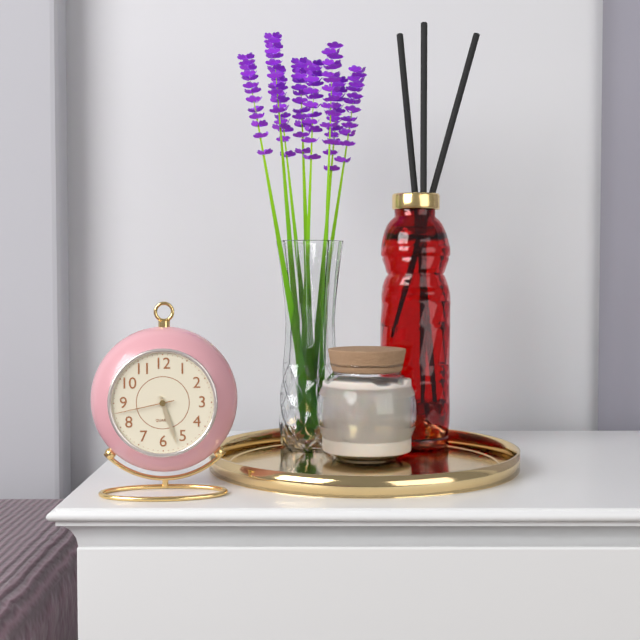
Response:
h=5 m=27 s=43
